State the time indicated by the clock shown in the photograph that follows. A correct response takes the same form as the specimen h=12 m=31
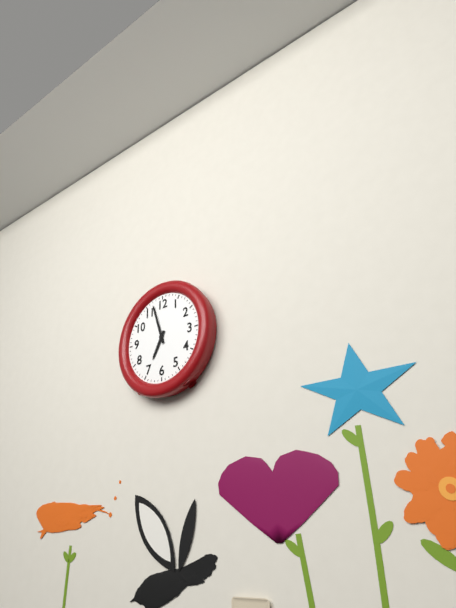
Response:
h=6 m=57
